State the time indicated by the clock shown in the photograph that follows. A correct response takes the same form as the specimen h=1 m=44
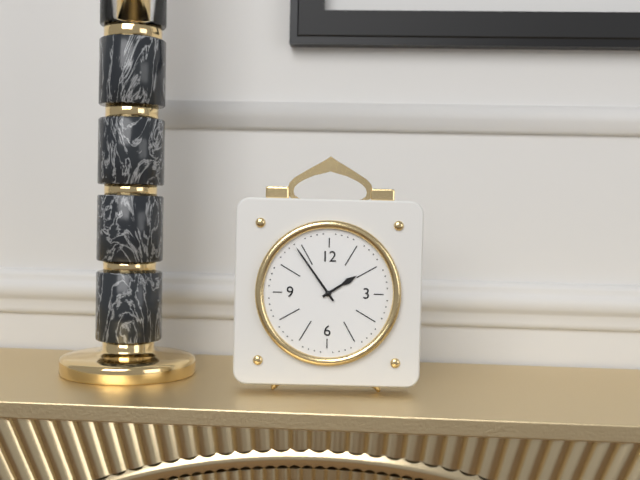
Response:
h=1 m=54
